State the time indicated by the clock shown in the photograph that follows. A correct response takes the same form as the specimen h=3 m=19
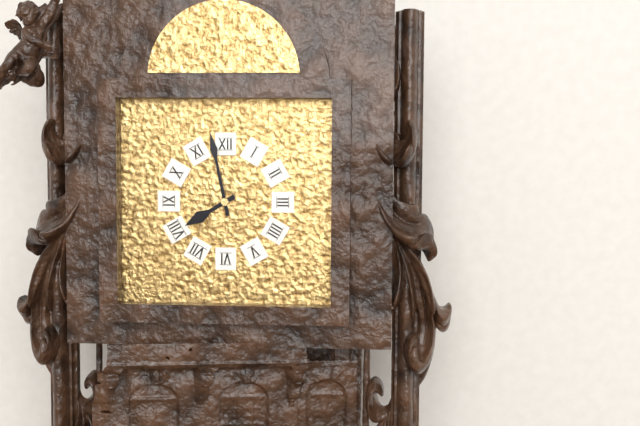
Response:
h=7 m=58
